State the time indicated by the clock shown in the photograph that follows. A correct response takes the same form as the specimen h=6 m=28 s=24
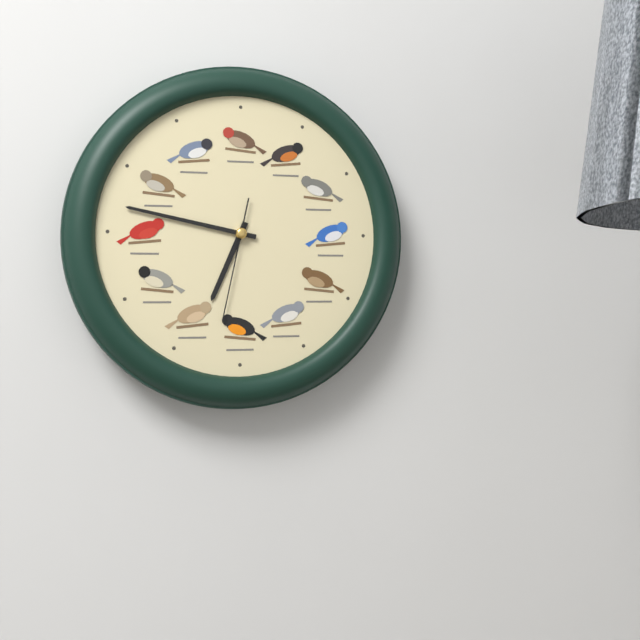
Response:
h=6 m=47 s=32
